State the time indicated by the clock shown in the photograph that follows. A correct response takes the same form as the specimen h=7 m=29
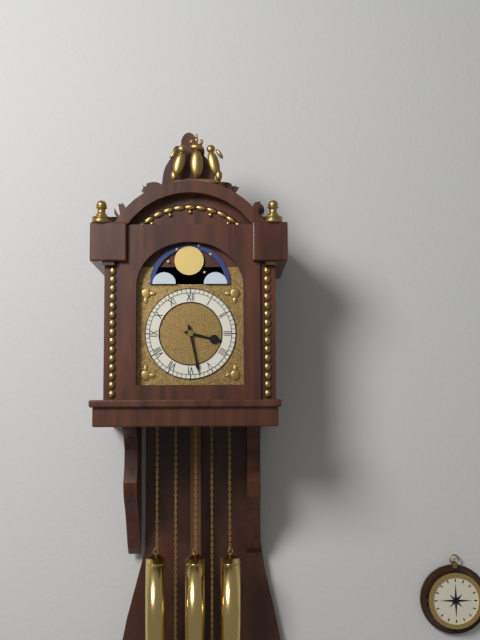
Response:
h=3 m=28
